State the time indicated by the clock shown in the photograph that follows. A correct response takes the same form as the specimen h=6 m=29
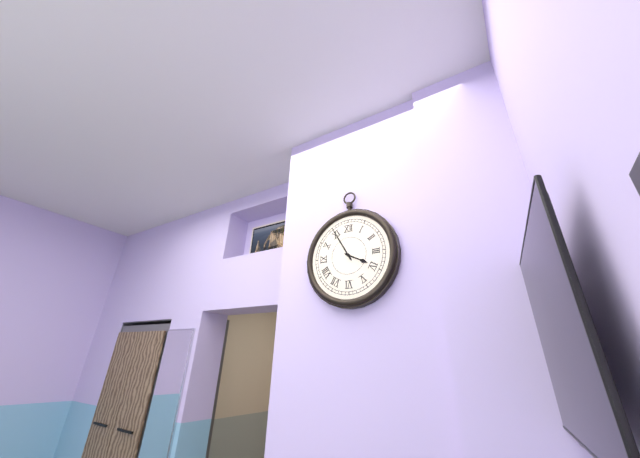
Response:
h=3 m=55
